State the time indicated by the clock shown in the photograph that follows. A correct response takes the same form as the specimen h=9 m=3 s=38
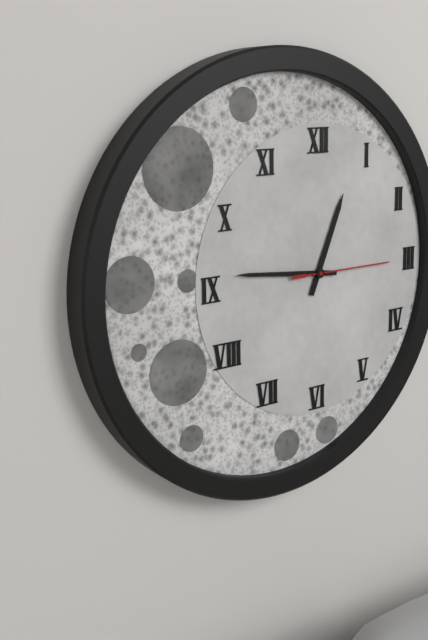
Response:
h=12 m=46 s=15
